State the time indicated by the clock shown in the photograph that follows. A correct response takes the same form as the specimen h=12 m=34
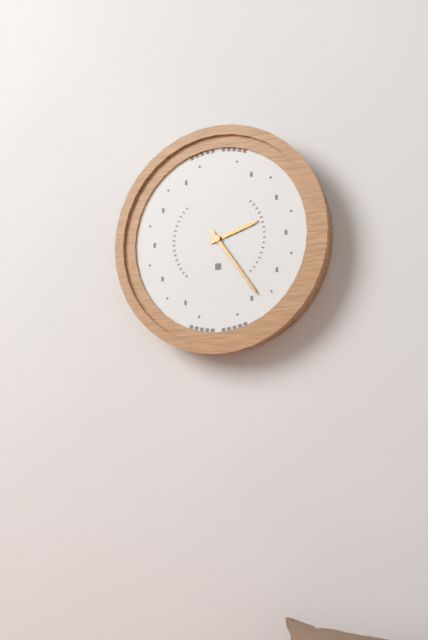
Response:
h=2 m=24
